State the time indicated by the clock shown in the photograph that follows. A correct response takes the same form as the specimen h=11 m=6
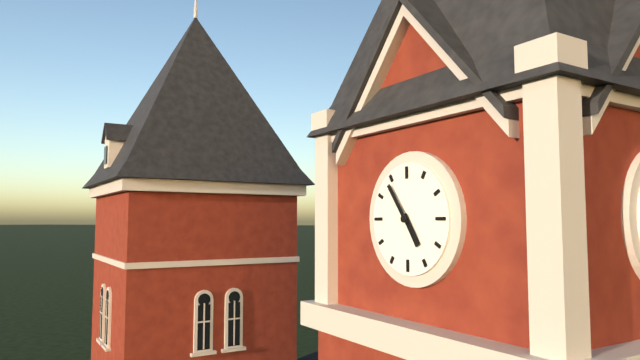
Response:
h=4 m=54
